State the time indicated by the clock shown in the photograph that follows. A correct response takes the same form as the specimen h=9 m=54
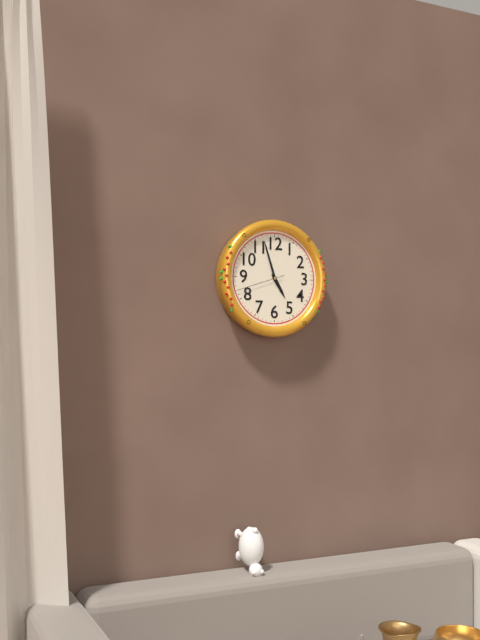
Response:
h=4 m=57
